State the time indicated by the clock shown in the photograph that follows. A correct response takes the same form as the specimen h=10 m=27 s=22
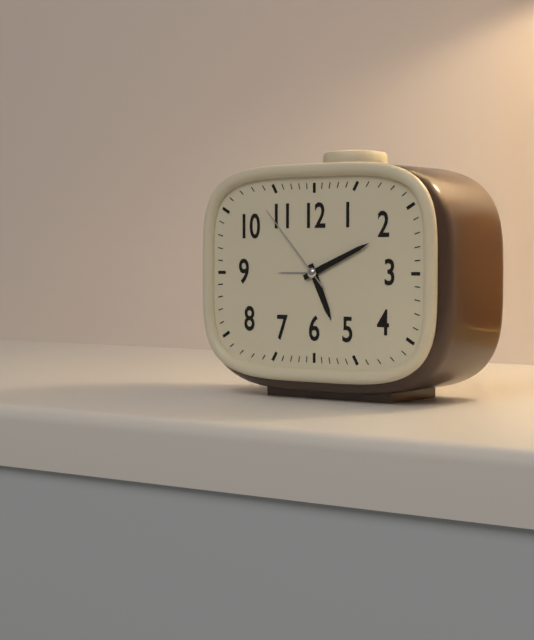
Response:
h=5 m=11 s=53
